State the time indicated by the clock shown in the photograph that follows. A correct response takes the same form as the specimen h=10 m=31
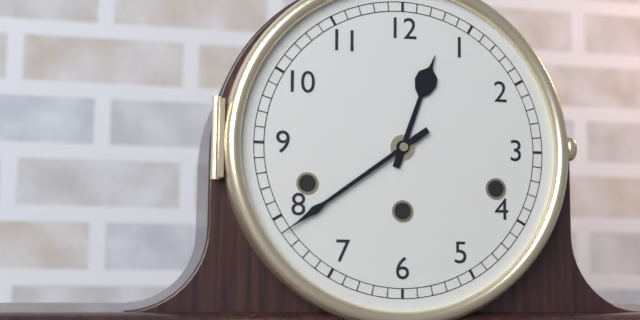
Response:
h=12 m=39
